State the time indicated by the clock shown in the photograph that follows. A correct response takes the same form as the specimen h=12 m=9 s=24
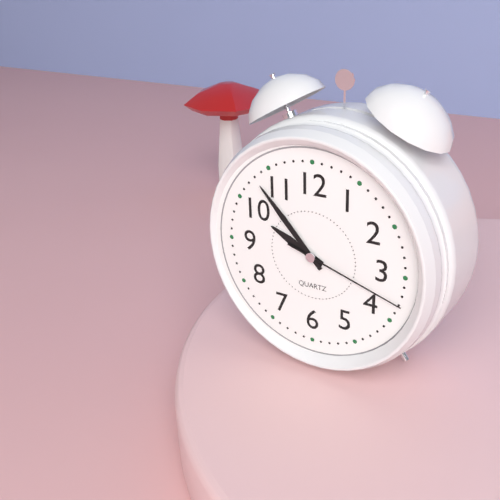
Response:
h=9 m=53 s=18
